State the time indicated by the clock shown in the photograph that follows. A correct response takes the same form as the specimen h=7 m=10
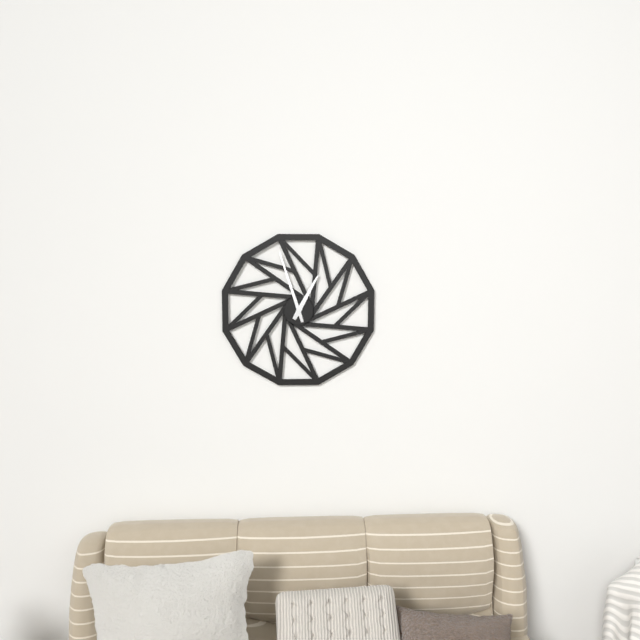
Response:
h=12 m=57
